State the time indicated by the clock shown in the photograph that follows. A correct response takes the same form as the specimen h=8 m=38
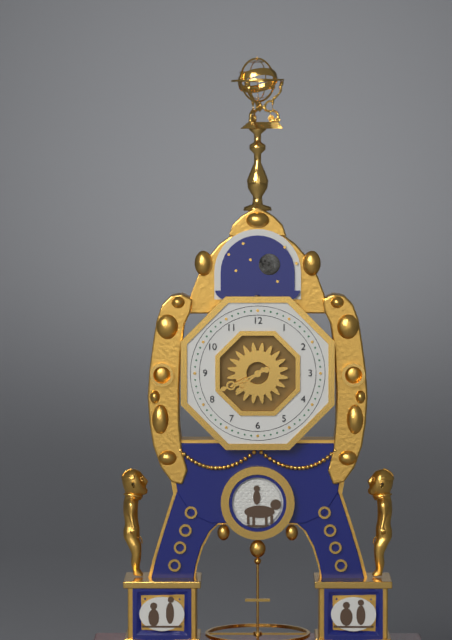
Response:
h=7 m=41
